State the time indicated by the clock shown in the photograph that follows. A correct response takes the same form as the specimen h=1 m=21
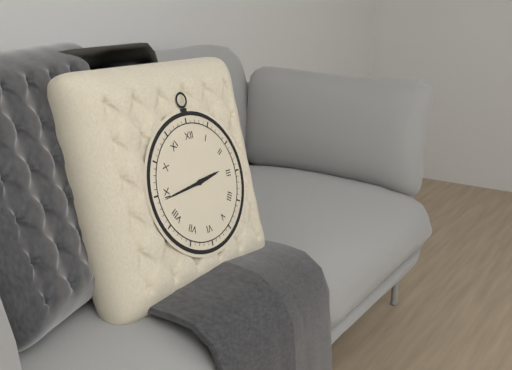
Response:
h=2 m=44
